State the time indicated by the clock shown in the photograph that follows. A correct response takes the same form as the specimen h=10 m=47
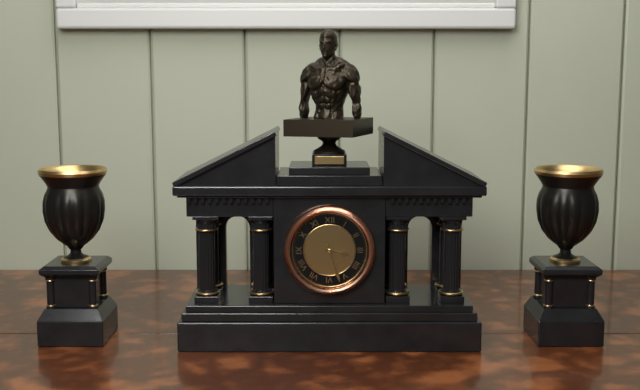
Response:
h=3 m=27
